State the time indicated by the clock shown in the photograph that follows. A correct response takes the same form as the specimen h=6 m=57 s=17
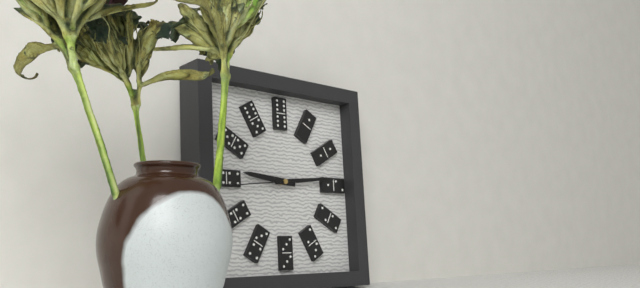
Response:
h=9 m=14 s=44
